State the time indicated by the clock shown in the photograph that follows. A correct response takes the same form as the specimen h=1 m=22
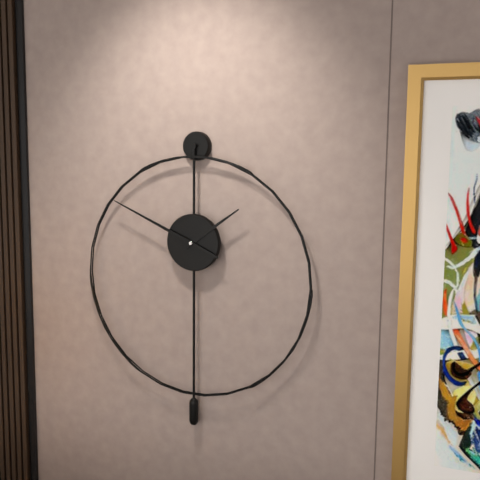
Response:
h=1 m=49
